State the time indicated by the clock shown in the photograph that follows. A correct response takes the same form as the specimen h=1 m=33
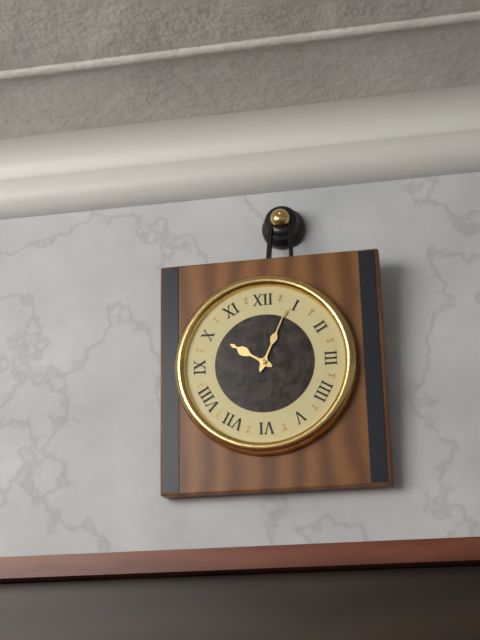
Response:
h=10 m=4
